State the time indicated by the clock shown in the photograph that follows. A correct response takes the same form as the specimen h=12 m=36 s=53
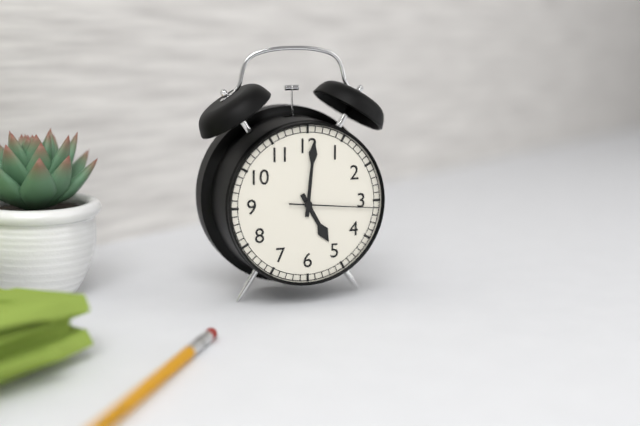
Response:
h=5 m=1 s=16
